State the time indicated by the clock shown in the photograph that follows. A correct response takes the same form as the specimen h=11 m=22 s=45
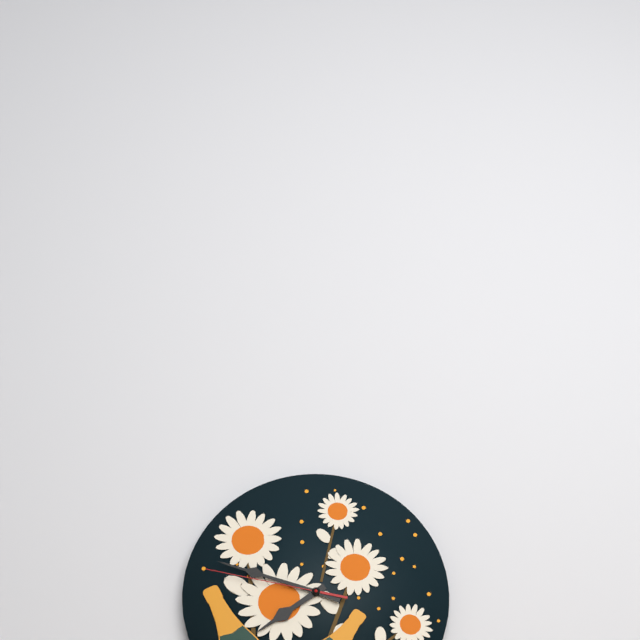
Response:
h=7 m=48 s=47
